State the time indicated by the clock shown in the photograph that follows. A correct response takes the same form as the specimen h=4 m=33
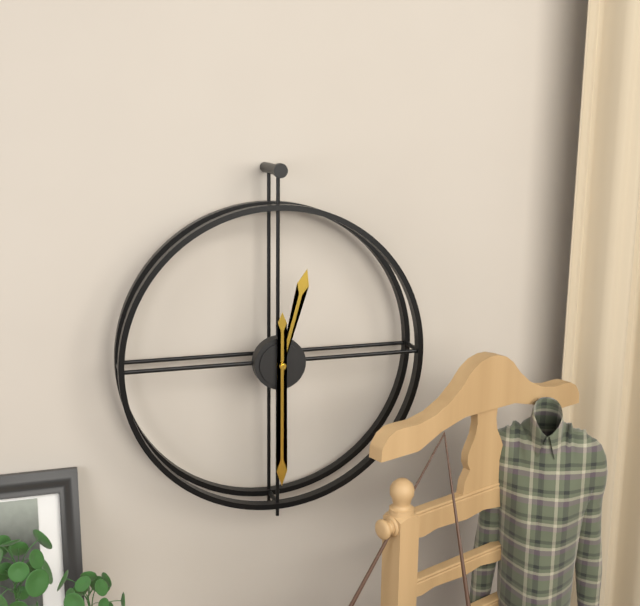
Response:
h=12 m=30
